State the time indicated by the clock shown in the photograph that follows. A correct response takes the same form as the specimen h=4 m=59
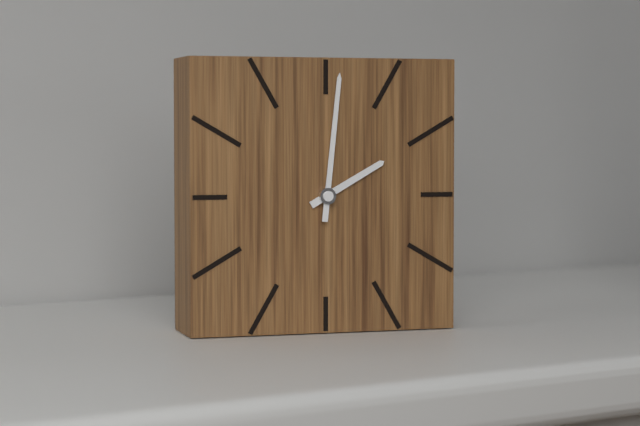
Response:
h=2 m=1
